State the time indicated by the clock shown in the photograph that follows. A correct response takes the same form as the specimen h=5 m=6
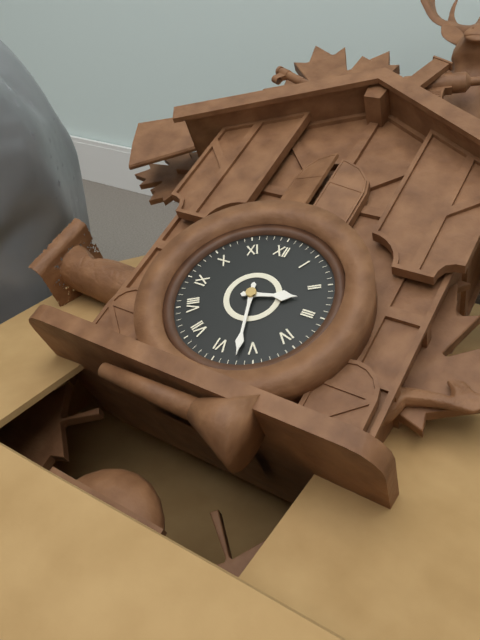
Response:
h=2 m=27
